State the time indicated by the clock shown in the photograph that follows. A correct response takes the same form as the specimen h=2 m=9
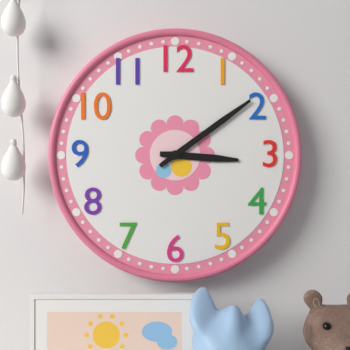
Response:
h=3 m=9
